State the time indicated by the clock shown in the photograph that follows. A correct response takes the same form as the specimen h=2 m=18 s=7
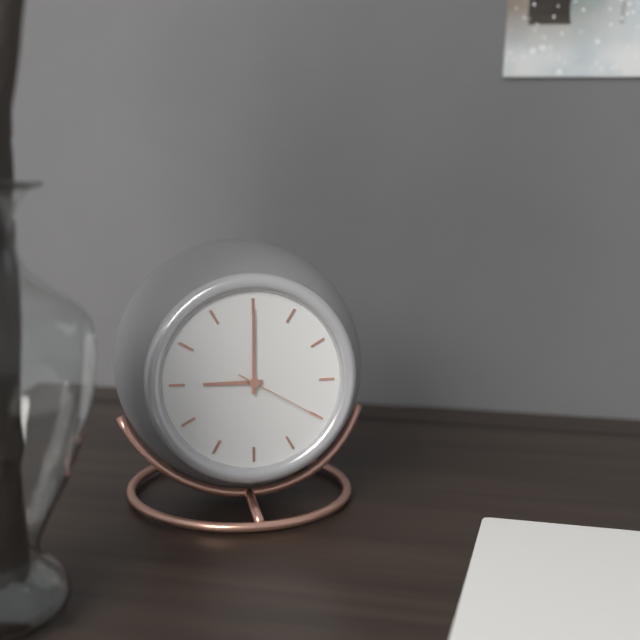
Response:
h=9 m=0 s=20
